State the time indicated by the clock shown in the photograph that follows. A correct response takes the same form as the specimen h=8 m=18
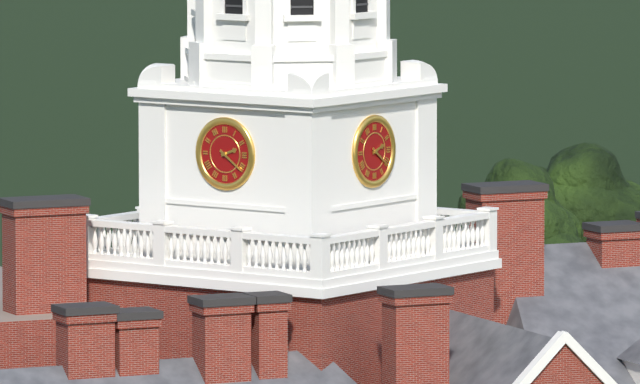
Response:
h=2 m=21
